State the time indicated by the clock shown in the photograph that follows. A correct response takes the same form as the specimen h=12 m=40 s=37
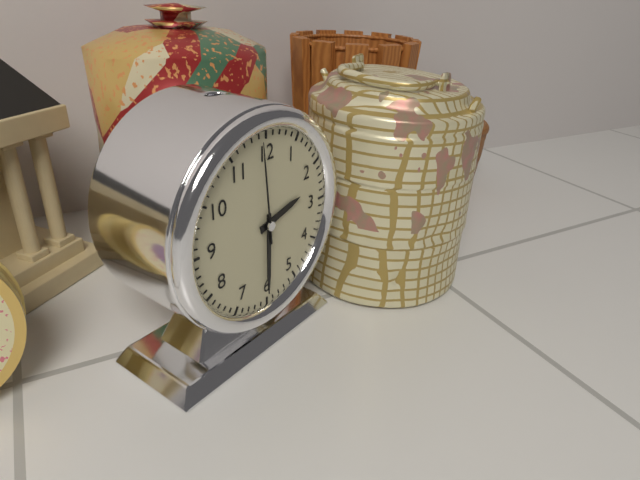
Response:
h=2 m=30 s=59
